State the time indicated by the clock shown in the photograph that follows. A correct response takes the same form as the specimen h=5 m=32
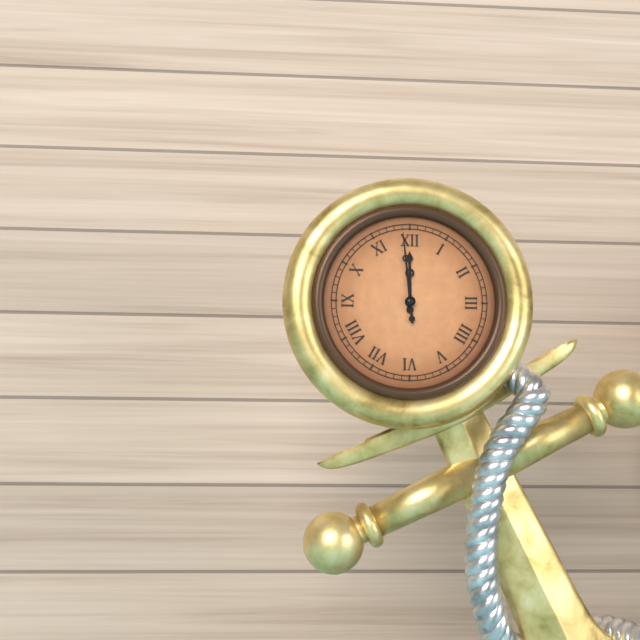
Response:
h=11 m=59
